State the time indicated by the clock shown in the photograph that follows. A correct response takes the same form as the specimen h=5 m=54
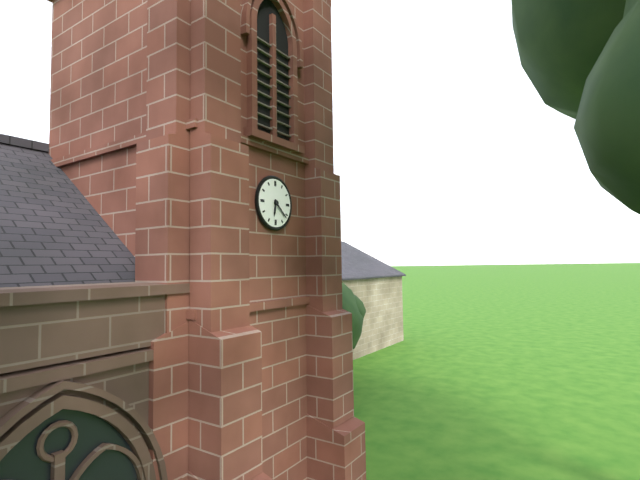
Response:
h=6 m=22
